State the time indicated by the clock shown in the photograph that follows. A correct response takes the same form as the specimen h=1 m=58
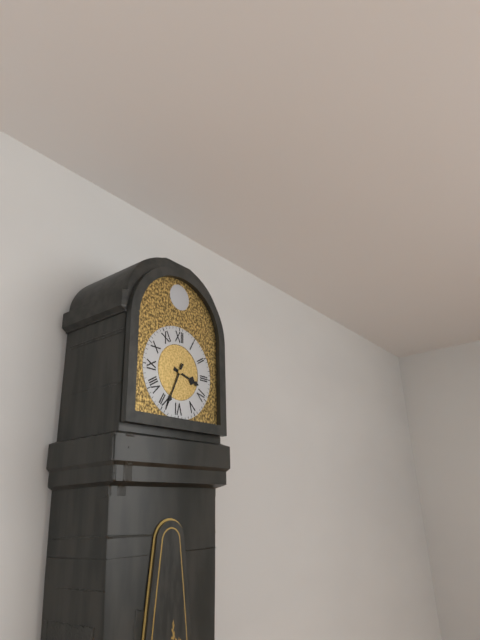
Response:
h=3 m=34
